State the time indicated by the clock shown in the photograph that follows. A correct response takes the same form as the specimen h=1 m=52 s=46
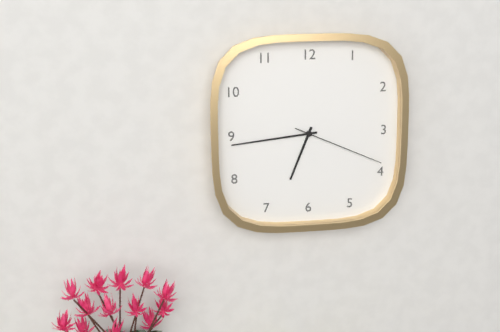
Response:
h=6 m=44 s=19
